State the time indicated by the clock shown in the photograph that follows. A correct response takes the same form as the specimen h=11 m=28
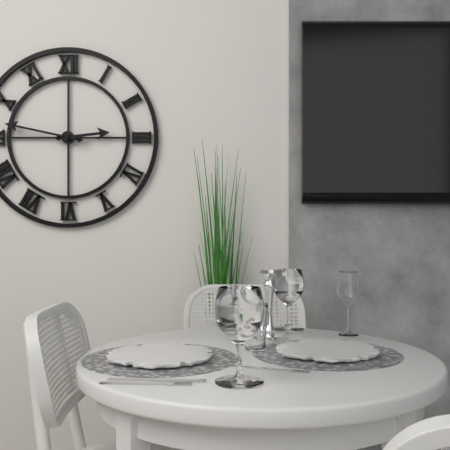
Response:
h=2 m=47
